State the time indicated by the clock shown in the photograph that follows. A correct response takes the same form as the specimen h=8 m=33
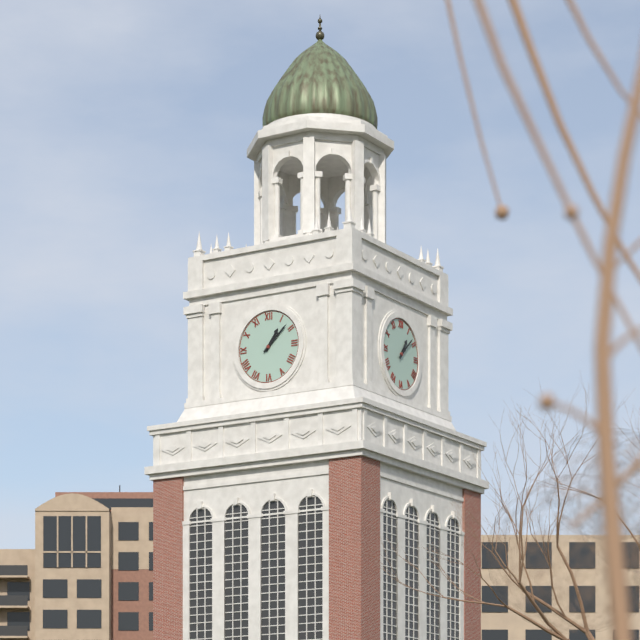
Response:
h=1 m=8
